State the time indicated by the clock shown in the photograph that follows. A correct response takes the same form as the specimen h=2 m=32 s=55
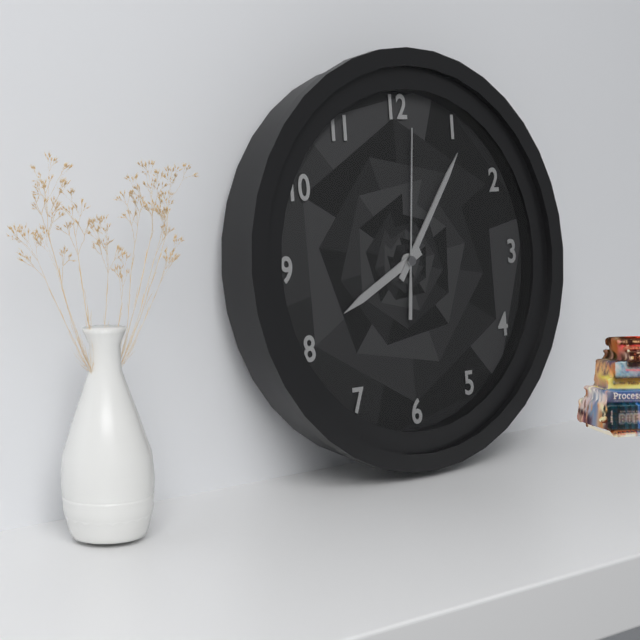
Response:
h=8 m=6 s=1
